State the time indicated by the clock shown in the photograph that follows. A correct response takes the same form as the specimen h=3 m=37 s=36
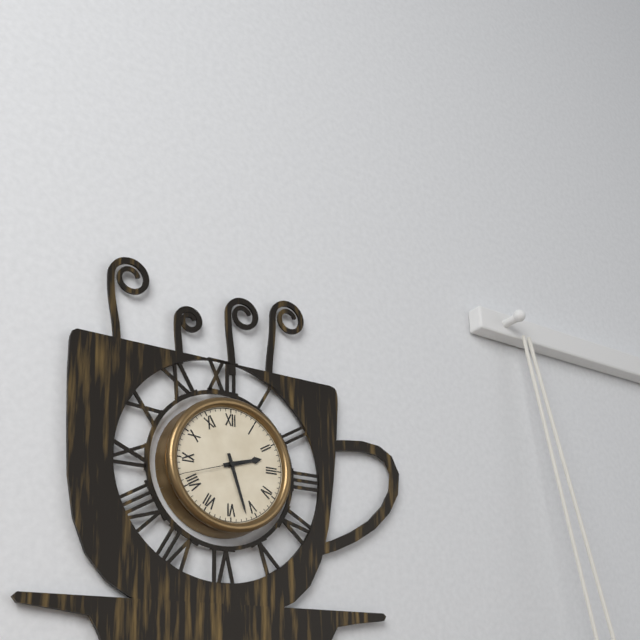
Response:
h=2 m=27 s=42
